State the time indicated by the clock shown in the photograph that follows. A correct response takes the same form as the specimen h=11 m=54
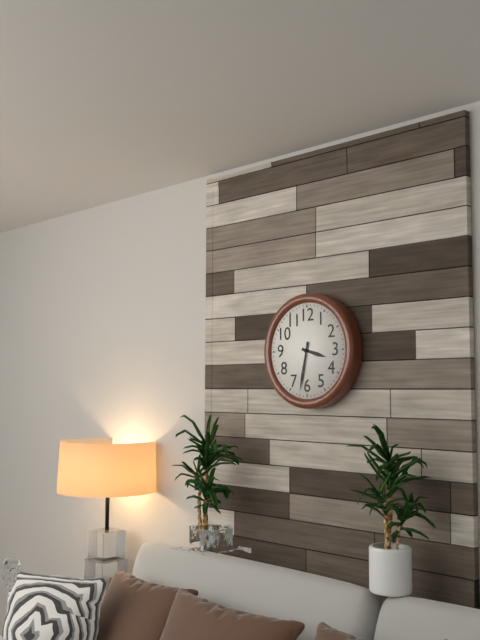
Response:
h=3 m=32
